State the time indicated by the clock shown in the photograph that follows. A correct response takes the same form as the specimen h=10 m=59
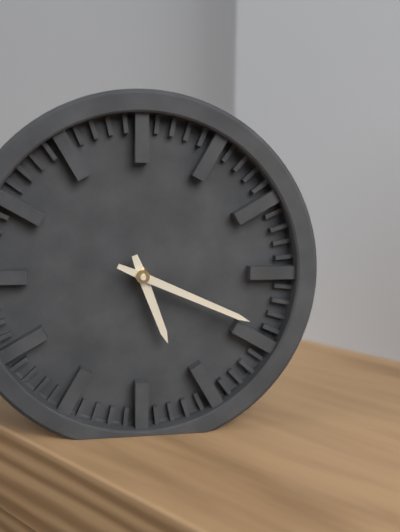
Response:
h=5 m=19
